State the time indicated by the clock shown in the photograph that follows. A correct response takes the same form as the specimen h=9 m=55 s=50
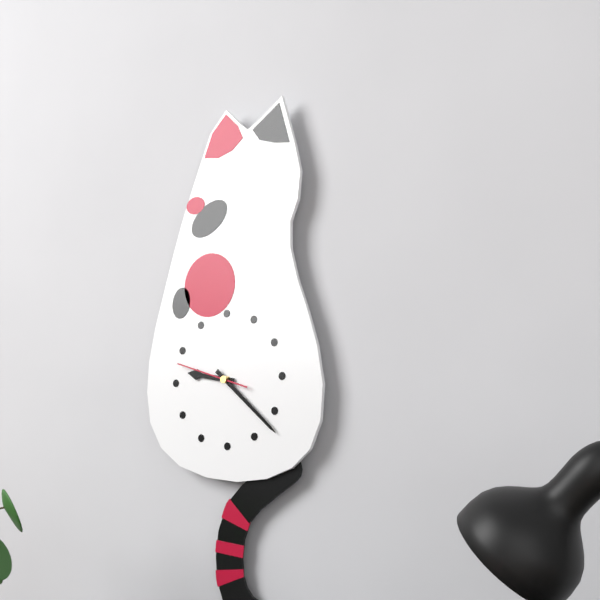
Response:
h=9 m=22 s=48
